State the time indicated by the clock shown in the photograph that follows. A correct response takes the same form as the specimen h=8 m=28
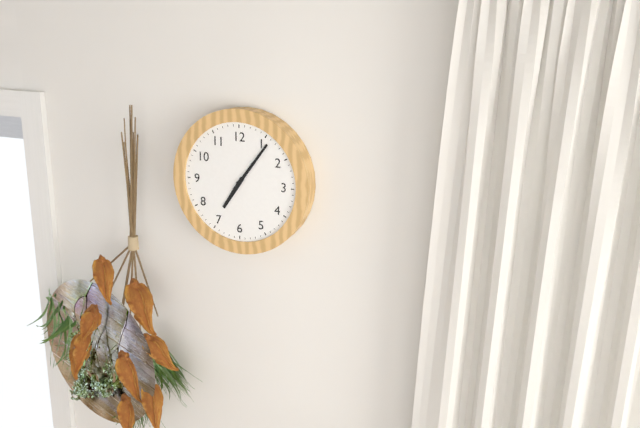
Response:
h=7 m=6
